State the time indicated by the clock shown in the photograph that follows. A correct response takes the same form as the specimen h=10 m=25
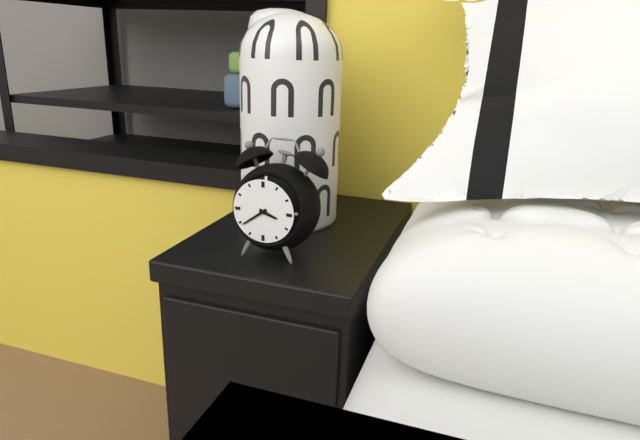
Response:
h=3 m=39
